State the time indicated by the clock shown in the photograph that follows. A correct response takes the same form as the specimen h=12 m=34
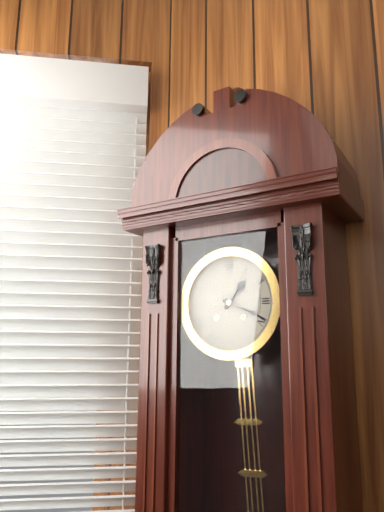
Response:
h=1 m=19
